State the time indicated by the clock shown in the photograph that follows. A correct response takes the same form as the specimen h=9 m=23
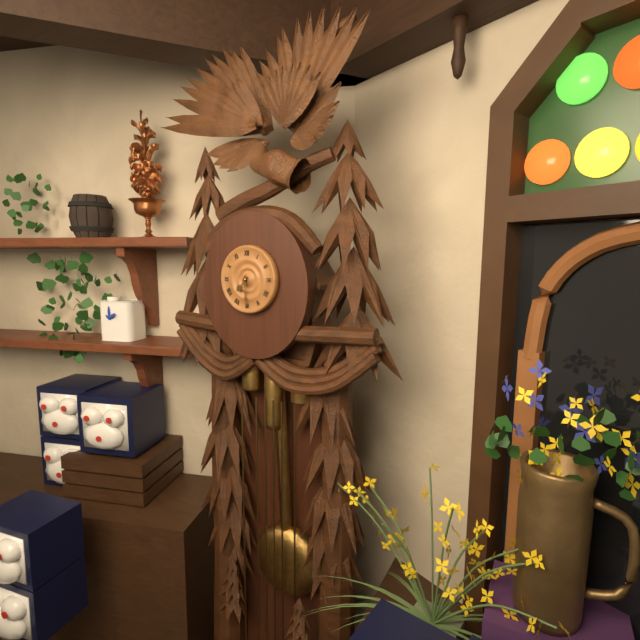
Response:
h=7 m=30
